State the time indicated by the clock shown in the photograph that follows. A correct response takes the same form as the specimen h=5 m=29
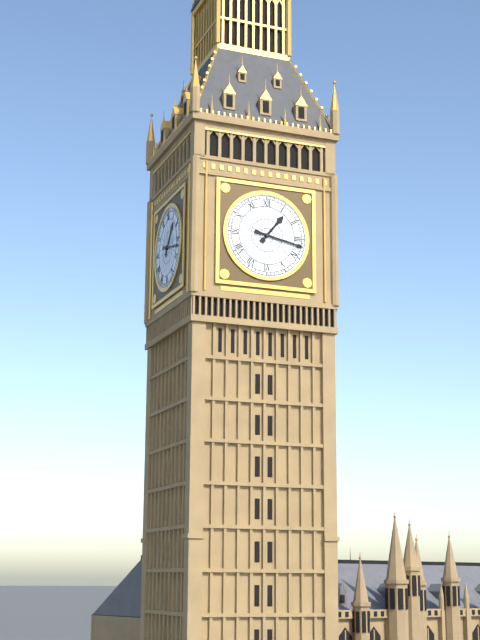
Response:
h=1 m=17
